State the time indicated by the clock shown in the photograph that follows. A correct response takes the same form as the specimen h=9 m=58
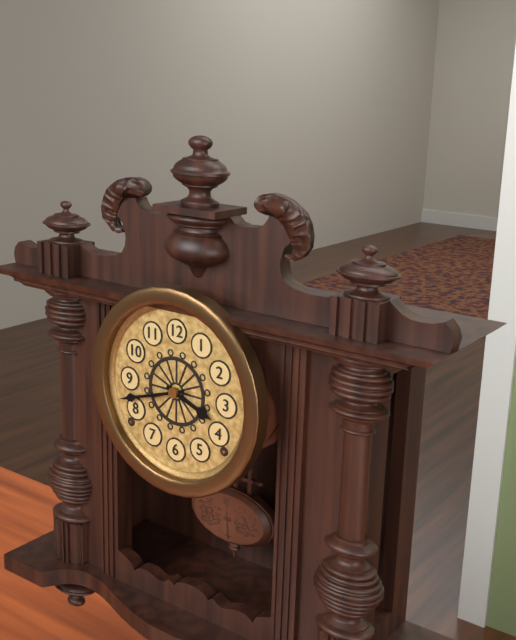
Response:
h=3 m=42
